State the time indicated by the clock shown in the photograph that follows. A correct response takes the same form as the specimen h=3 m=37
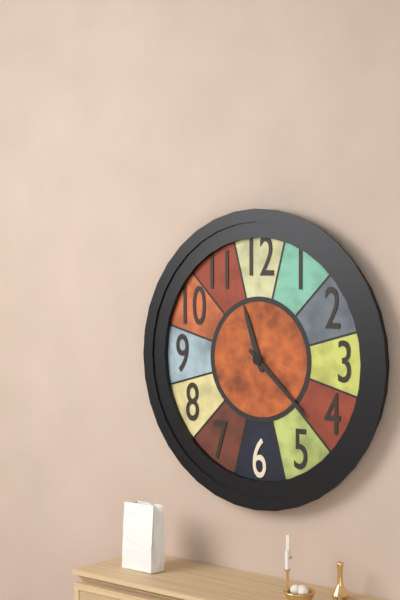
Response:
h=11 m=22
